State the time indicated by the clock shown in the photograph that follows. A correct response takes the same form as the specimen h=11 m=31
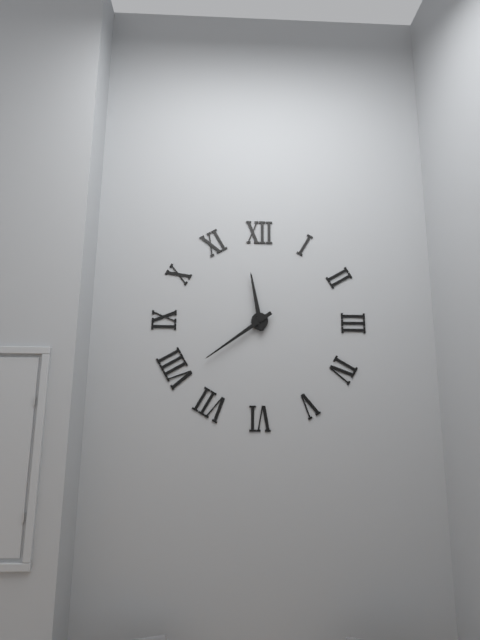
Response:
h=11 m=39
